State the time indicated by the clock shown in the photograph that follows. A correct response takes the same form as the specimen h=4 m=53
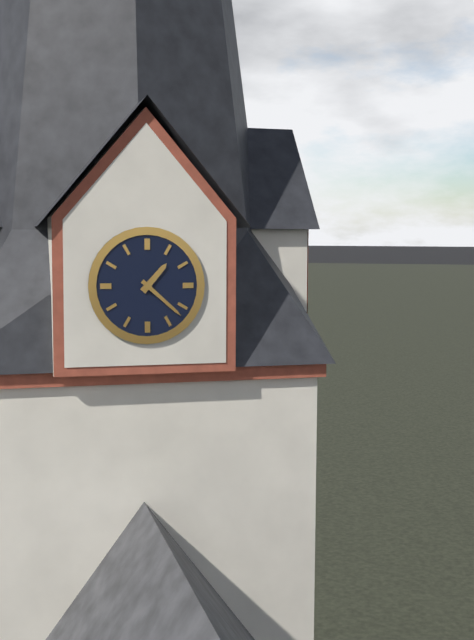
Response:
h=1 m=22
